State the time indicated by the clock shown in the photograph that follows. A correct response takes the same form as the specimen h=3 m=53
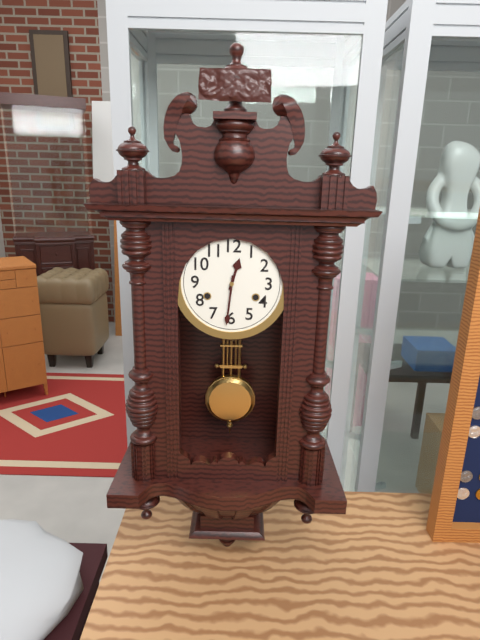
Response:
h=12 m=31
